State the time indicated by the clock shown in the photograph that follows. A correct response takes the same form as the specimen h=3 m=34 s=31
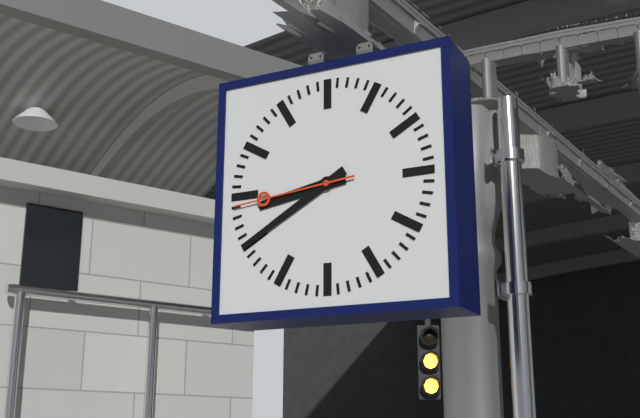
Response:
h=8 m=40 s=44
